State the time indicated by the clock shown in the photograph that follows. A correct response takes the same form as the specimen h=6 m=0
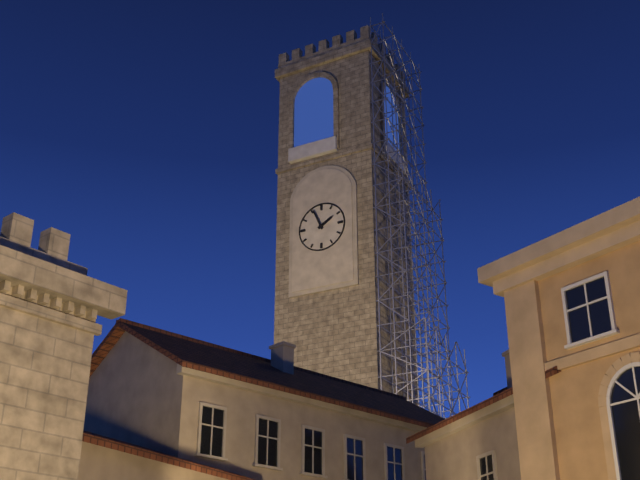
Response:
h=1 m=56
